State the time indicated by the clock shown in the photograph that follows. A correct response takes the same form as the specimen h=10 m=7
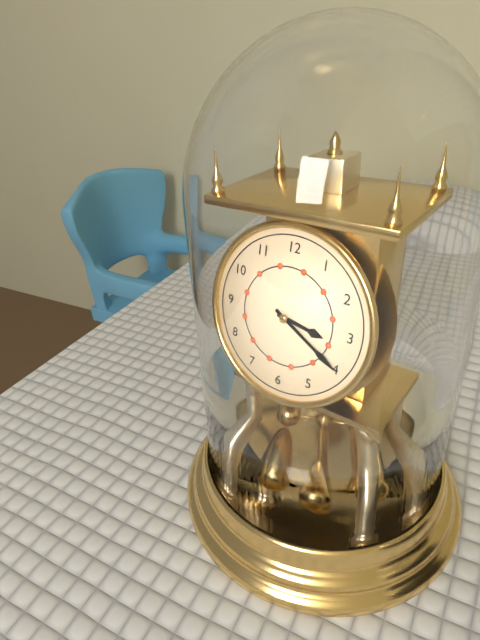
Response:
h=3 m=20
